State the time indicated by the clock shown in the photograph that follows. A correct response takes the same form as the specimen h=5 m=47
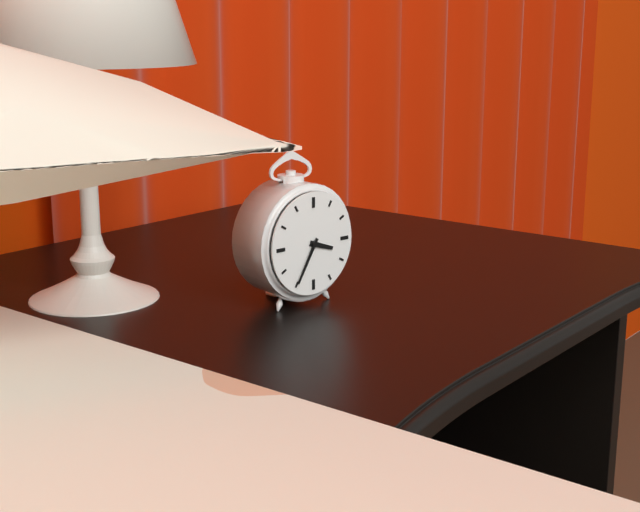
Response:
h=3 m=35
